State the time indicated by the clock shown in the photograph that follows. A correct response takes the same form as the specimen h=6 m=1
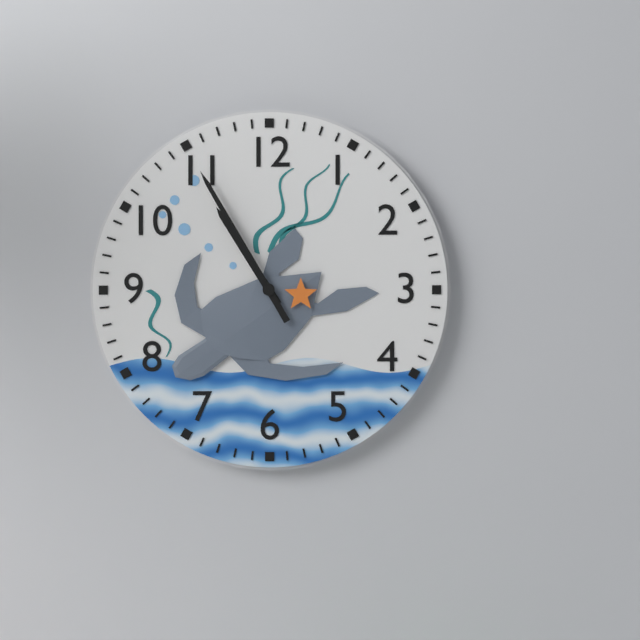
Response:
h=10 m=55
